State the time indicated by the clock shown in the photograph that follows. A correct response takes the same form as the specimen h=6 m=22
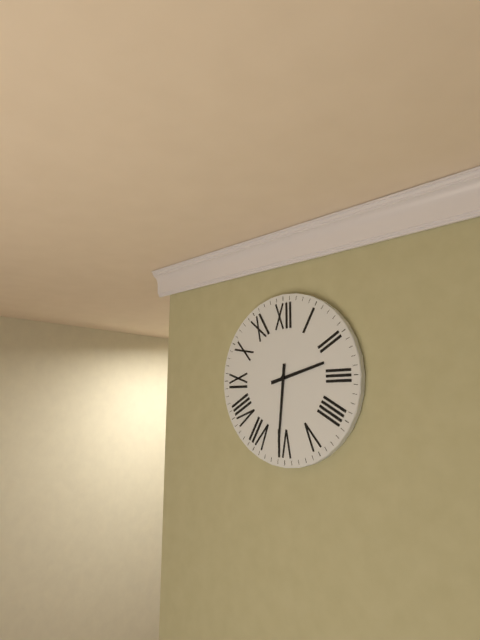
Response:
h=2 m=31
